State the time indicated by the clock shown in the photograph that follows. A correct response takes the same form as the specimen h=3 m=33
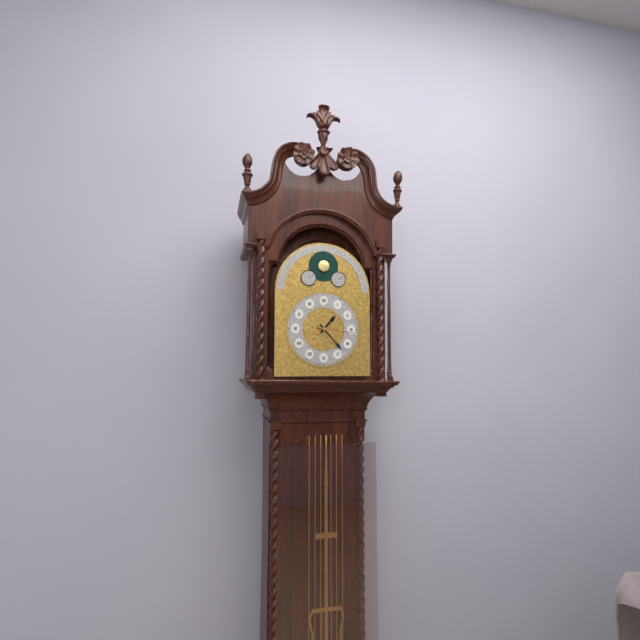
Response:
h=1 m=23
